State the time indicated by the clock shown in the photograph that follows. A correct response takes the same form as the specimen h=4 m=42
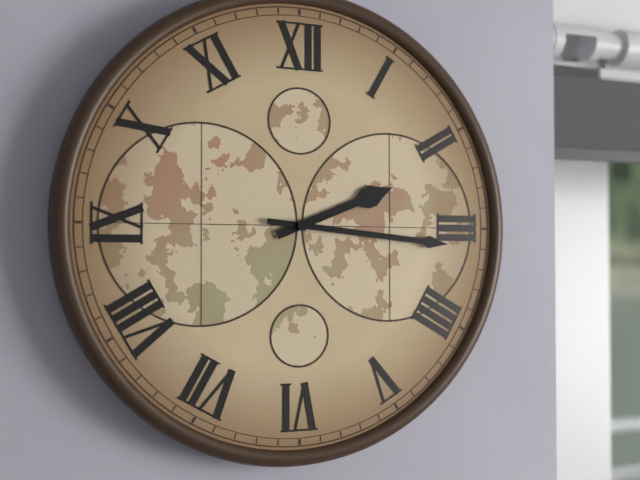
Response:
h=2 m=16
